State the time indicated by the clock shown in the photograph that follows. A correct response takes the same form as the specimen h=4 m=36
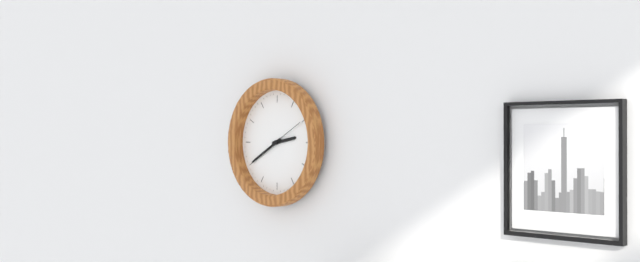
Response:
h=2 m=40
